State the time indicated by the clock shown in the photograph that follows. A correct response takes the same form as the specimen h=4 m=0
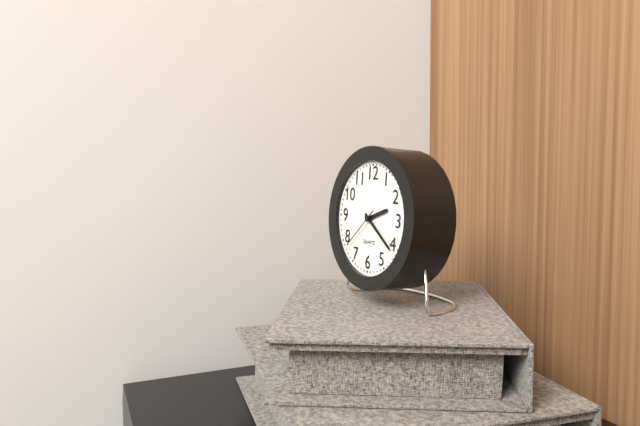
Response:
h=2 m=21
